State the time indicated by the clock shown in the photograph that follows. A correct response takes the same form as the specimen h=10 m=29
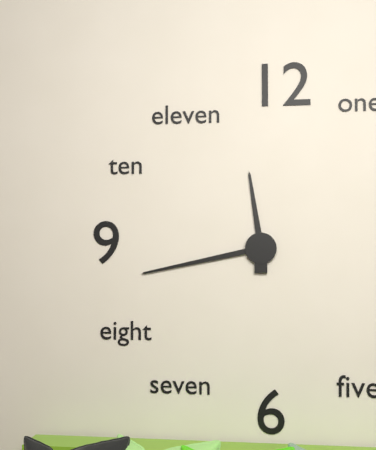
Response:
h=11 m=43
